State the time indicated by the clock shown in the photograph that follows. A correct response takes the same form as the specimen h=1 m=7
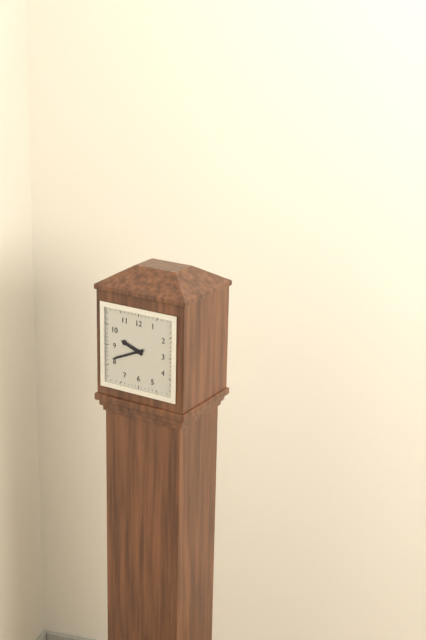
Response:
h=9 m=41
